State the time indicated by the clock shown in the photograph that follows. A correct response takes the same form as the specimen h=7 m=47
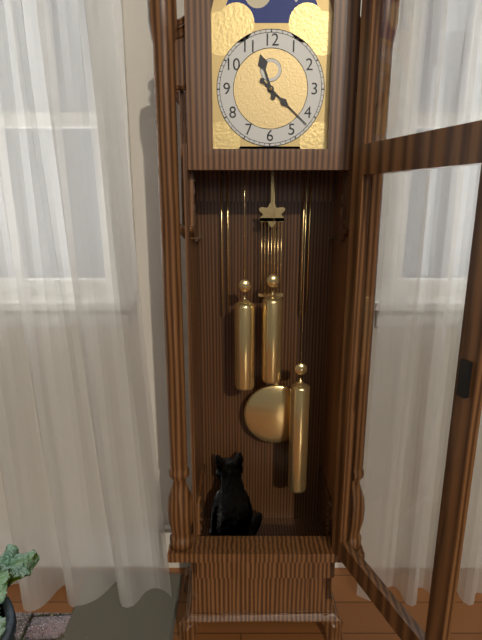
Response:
h=11 m=22
